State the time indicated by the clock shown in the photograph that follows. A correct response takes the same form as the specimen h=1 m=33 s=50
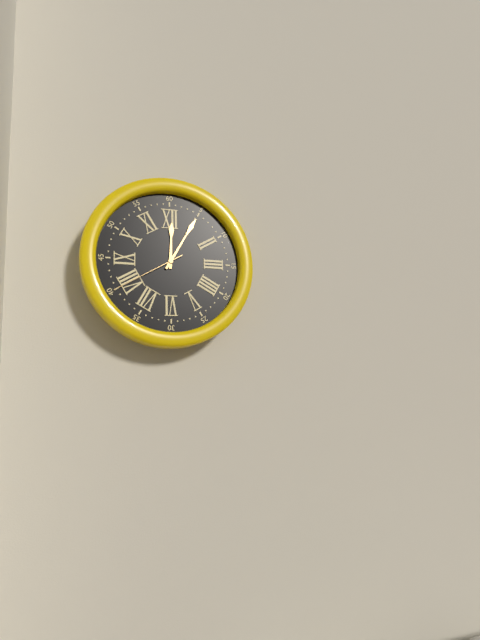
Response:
h=12 m=5 s=40
